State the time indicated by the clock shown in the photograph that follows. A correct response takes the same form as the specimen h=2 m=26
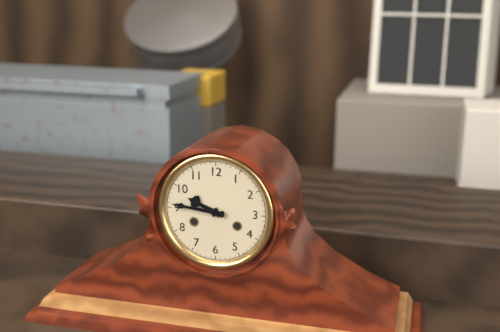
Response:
h=9 m=46
